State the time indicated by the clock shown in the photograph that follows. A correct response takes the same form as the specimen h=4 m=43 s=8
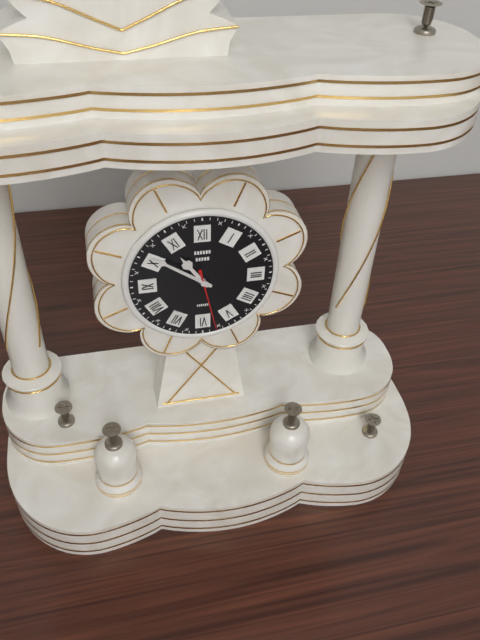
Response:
h=10 m=51 s=28
